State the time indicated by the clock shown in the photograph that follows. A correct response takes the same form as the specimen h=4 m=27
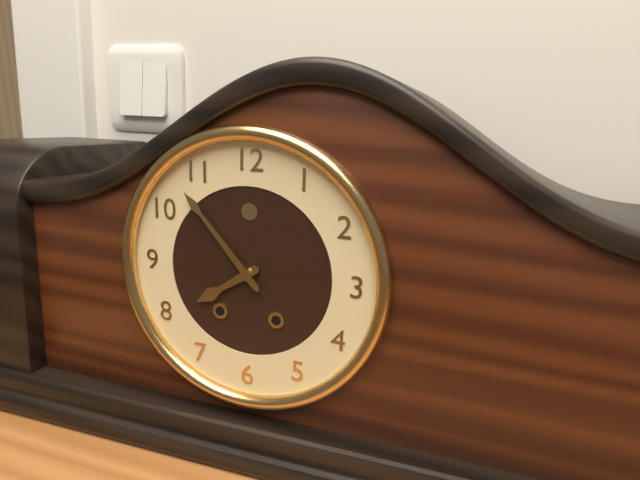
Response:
h=7 m=53
